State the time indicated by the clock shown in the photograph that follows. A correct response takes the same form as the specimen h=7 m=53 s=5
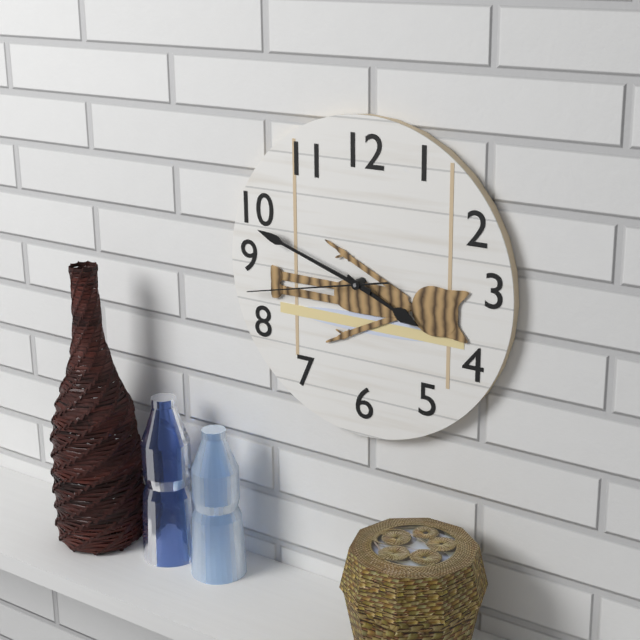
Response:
h=3 m=48 s=43
